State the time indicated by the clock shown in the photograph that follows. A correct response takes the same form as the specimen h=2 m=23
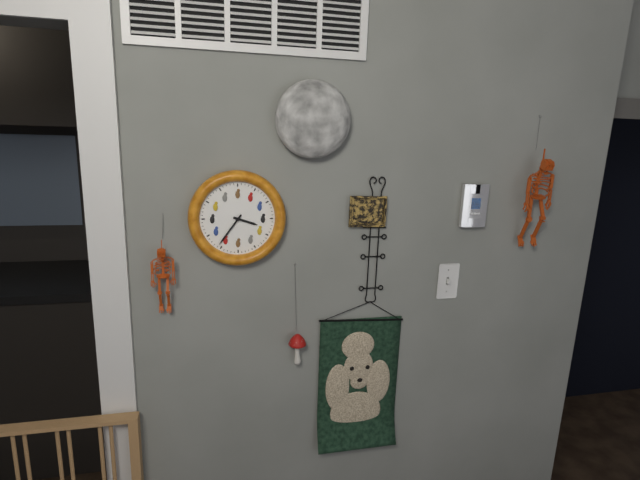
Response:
h=3 m=36
